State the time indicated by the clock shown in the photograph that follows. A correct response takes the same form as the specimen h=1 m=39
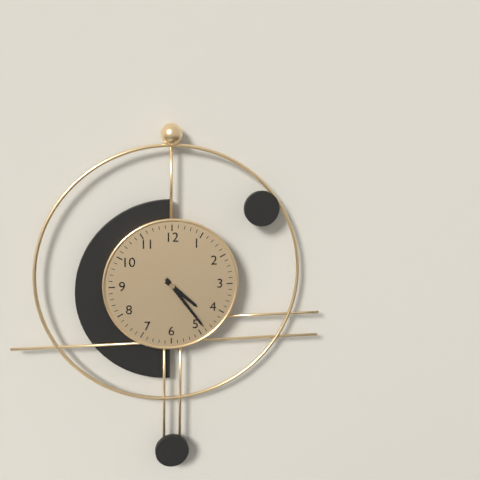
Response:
h=4 m=24
